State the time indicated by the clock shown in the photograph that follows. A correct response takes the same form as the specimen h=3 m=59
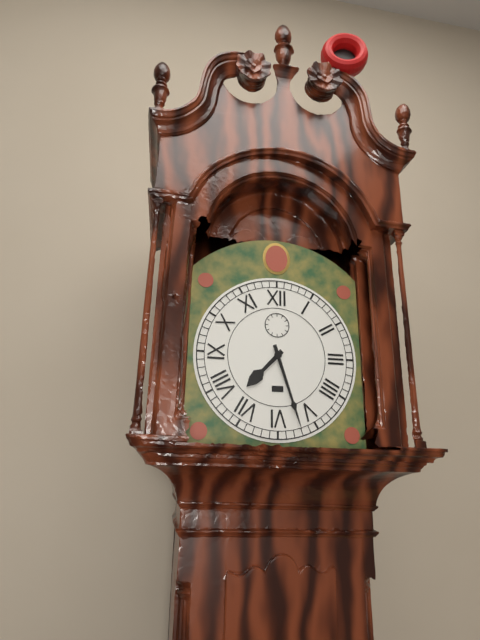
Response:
h=7 m=27
